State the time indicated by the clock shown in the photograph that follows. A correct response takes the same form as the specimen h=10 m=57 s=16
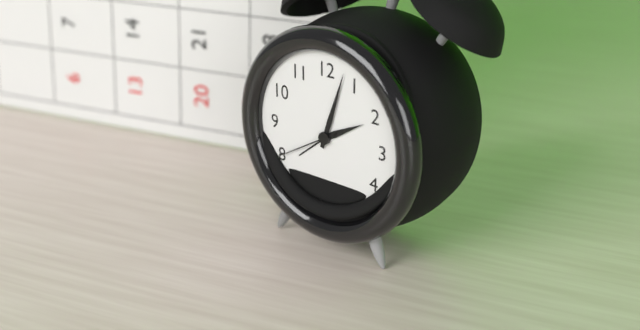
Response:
h=2 m=3 s=40
